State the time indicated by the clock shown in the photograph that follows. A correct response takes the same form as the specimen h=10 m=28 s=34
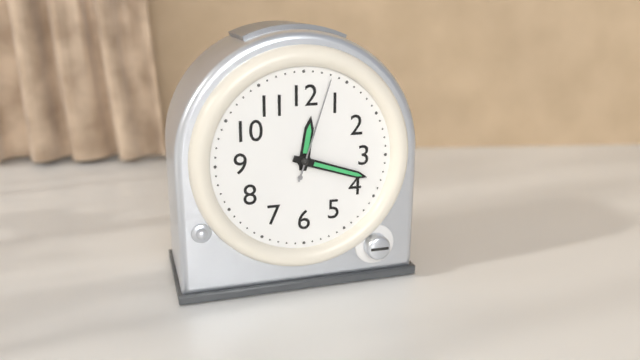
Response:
h=12 m=18 s=3
